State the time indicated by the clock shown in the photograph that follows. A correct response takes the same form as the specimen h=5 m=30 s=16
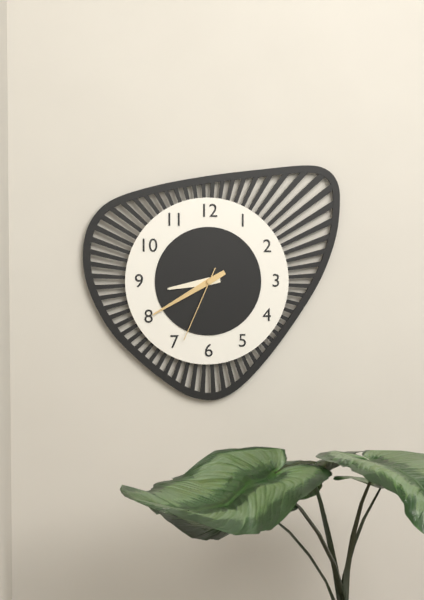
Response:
h=8 m=40 s=34
